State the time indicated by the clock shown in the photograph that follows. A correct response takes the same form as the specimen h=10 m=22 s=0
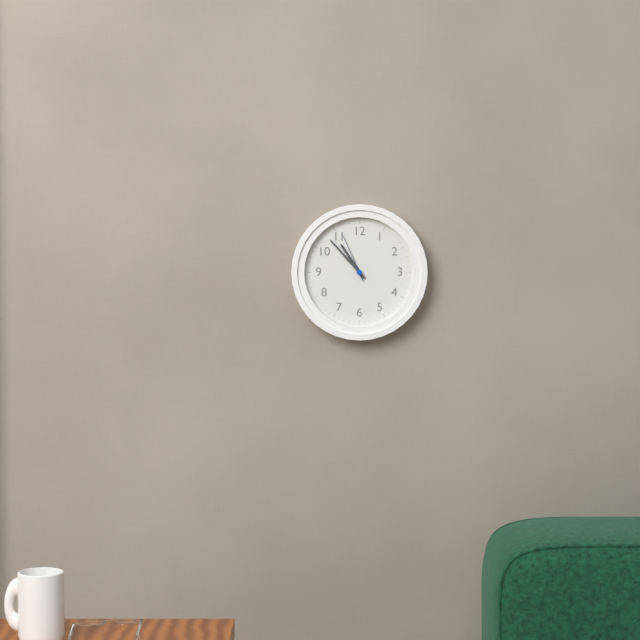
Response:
h=10 m=53 s=56
